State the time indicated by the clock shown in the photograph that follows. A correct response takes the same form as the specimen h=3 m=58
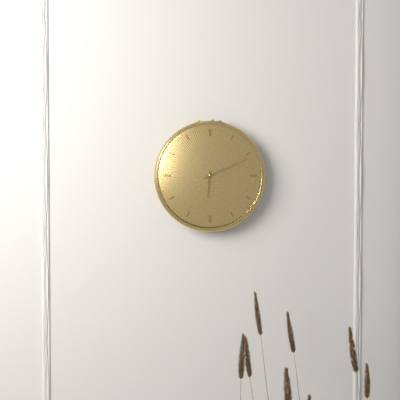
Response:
h=6 m=11
